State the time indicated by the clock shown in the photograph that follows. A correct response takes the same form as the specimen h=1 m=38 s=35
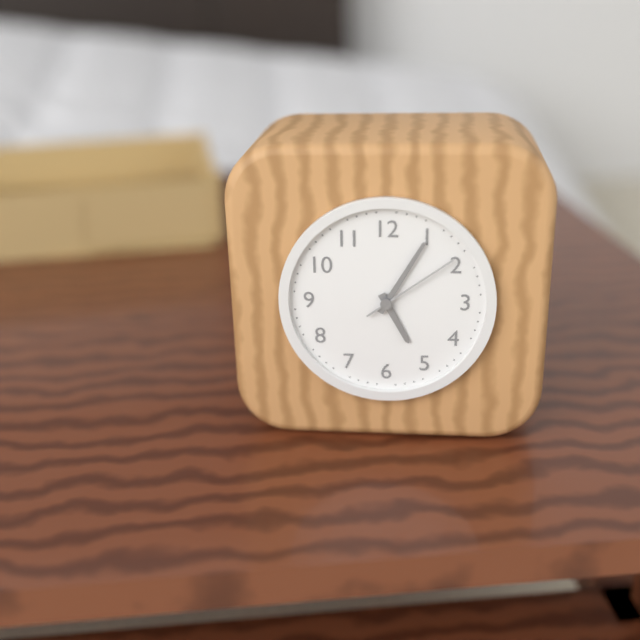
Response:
h=5 m=5 s=9
